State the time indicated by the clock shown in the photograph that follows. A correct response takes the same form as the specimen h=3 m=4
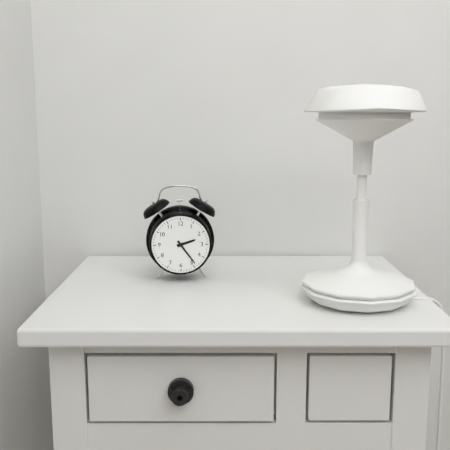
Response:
h=2 m=24
